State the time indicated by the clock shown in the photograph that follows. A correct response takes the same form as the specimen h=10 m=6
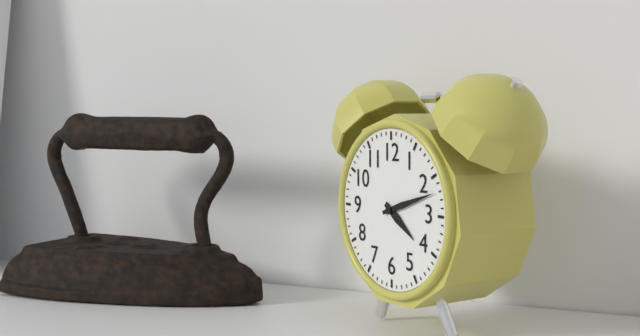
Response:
h=4 m=12
